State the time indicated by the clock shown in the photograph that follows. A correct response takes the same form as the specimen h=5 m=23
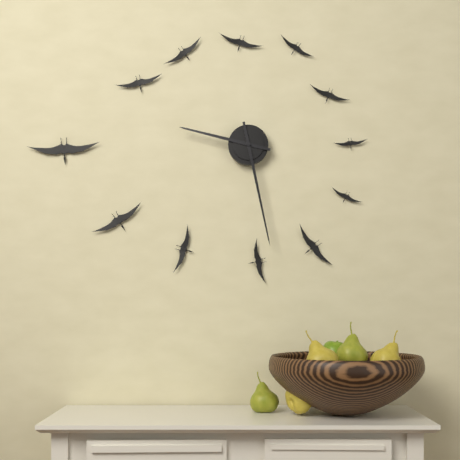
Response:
h=9 m=28
